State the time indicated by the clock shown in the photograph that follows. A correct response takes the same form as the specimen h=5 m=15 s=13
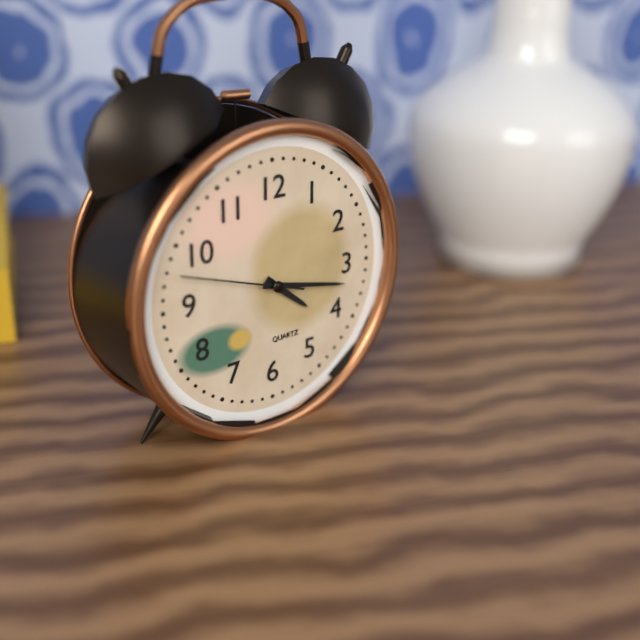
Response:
h=4 m=17 s=48
